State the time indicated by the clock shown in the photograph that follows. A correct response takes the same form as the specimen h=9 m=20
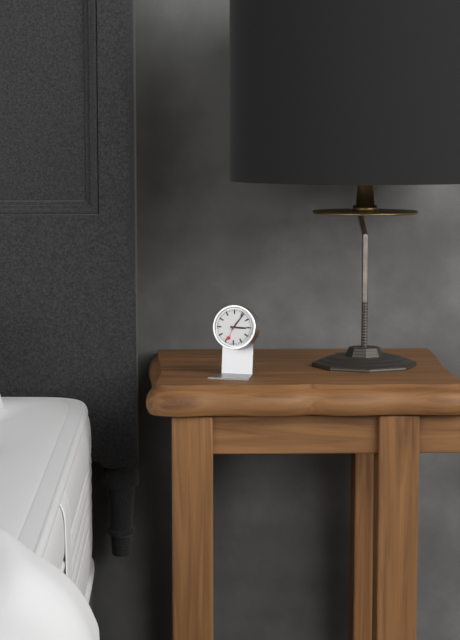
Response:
h=3 m=6
